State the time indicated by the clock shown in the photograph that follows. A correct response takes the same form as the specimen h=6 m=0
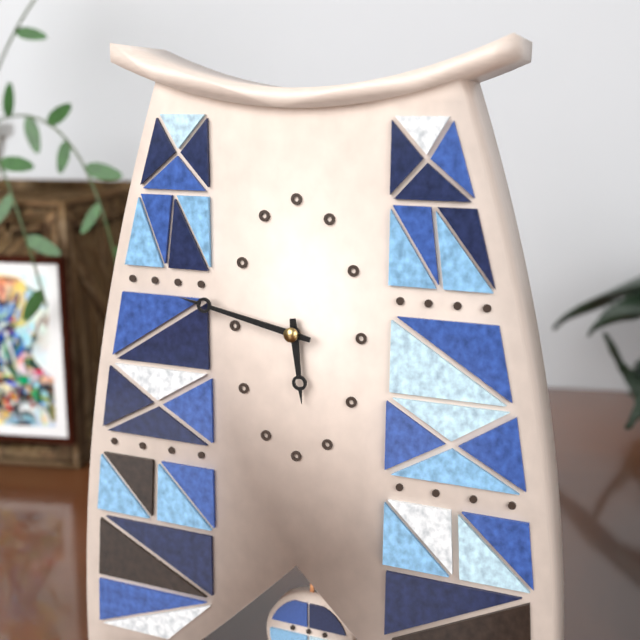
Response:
h=5 m=47
